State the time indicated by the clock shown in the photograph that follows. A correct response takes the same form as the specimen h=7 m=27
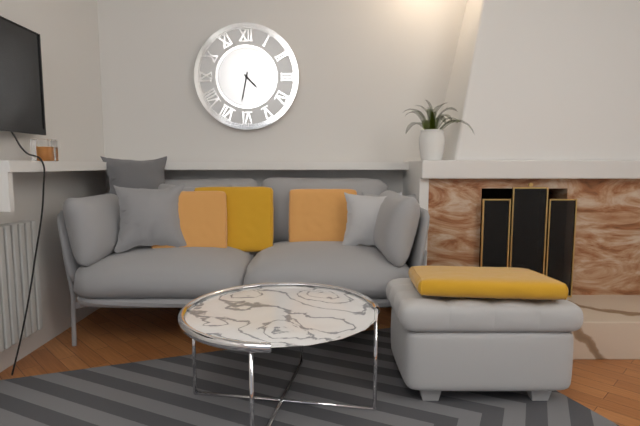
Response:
h=4 m=32
